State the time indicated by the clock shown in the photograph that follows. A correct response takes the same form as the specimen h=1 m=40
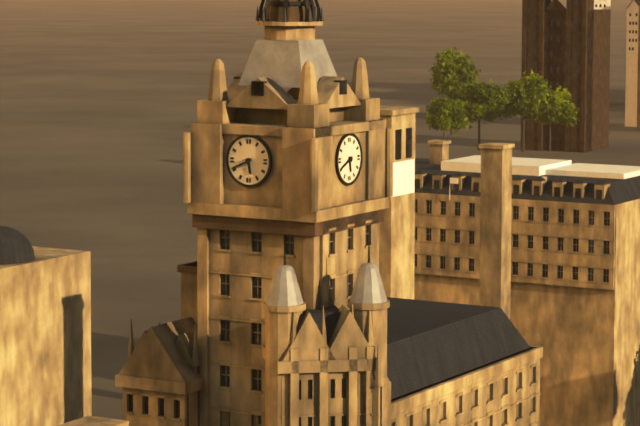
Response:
h=5 m=41
